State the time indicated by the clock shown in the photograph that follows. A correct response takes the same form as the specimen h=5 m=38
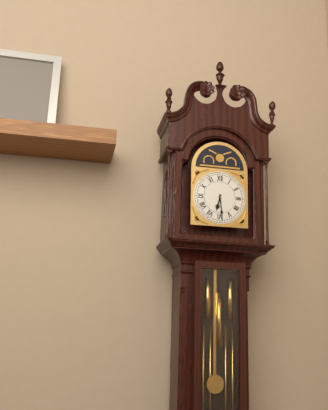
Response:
h=6 m=29
